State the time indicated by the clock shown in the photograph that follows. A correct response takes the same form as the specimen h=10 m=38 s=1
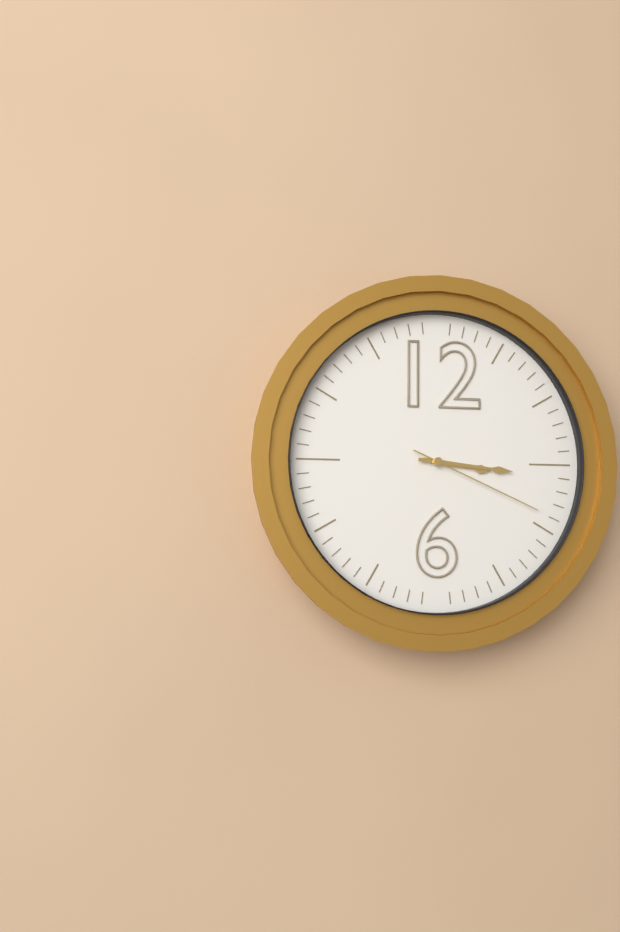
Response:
h=3 m=16 s=19
